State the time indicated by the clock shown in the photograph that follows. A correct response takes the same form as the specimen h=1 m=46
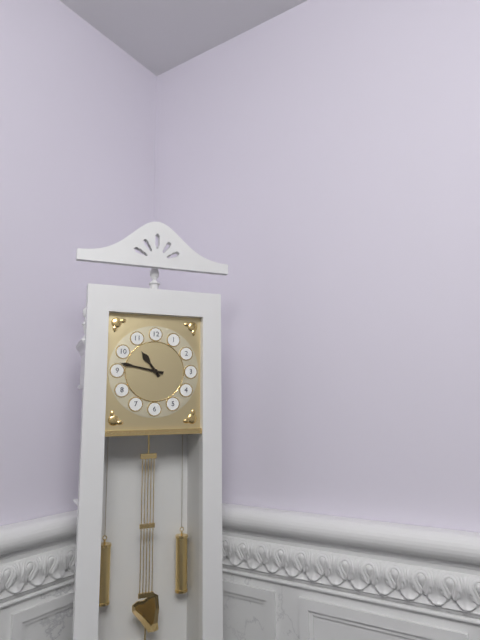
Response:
h=10 m=47
